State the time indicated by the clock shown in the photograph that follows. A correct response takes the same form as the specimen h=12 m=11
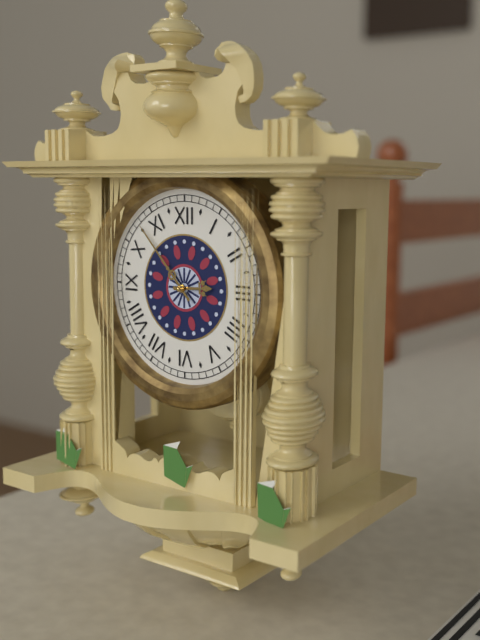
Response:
h=2 m=53
